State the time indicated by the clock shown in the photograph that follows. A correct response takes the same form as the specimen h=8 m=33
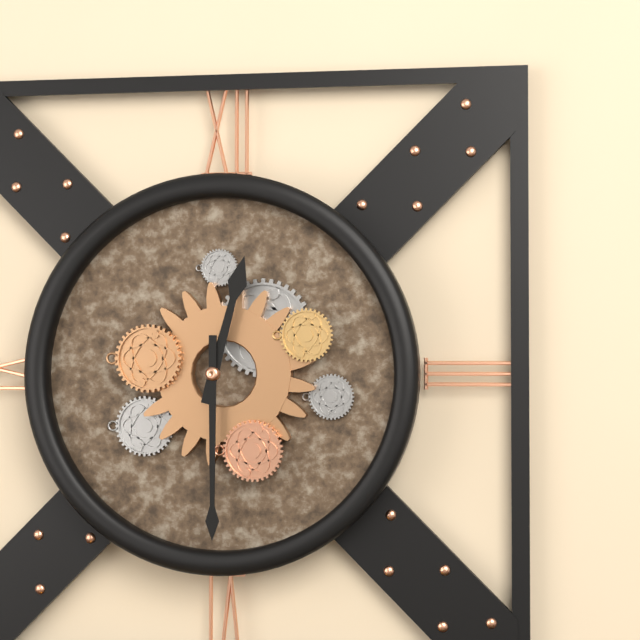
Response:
h=12 m=30
